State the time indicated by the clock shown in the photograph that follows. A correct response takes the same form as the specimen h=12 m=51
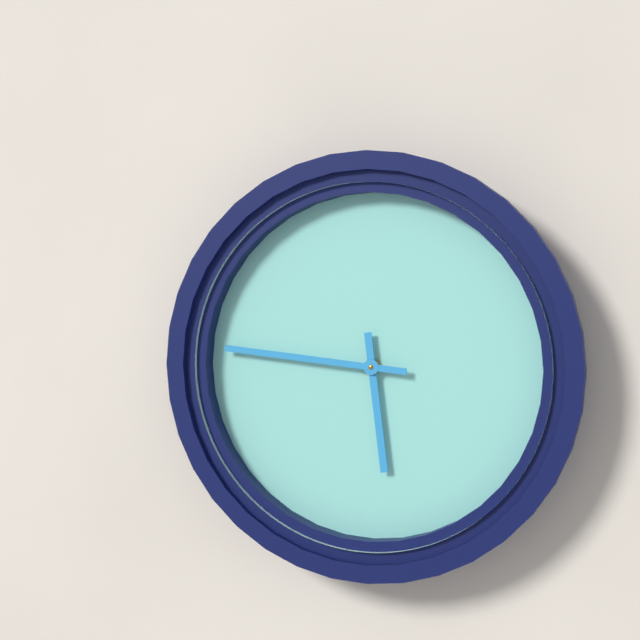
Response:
h=5 m=46
